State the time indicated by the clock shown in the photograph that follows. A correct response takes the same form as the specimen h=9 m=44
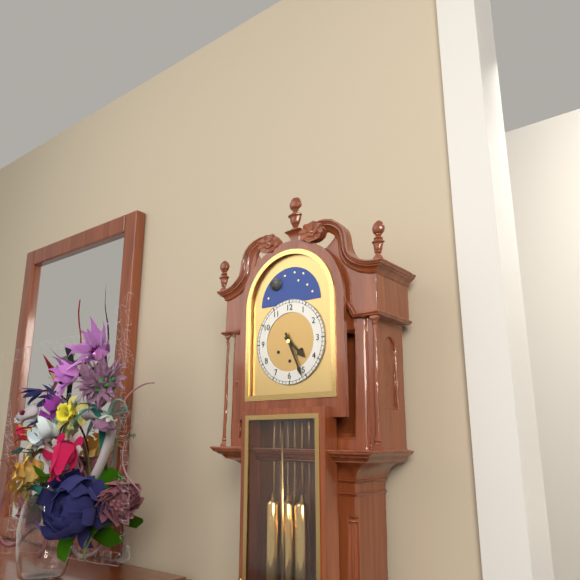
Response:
h=4 m=26
